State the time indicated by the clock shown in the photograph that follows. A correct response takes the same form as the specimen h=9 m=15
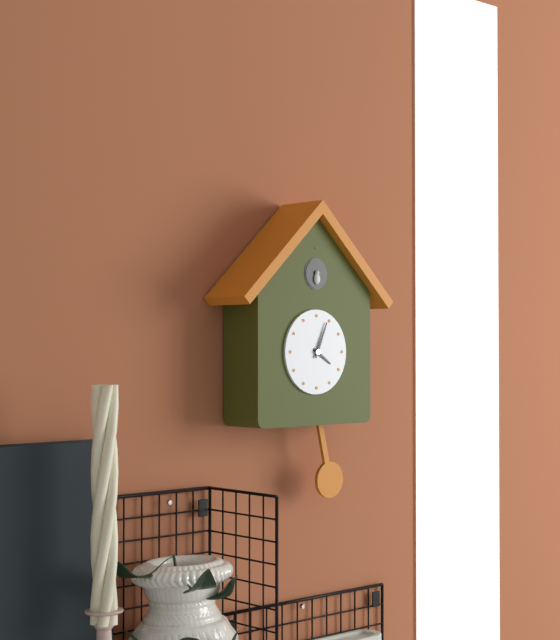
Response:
h=4 m=4
